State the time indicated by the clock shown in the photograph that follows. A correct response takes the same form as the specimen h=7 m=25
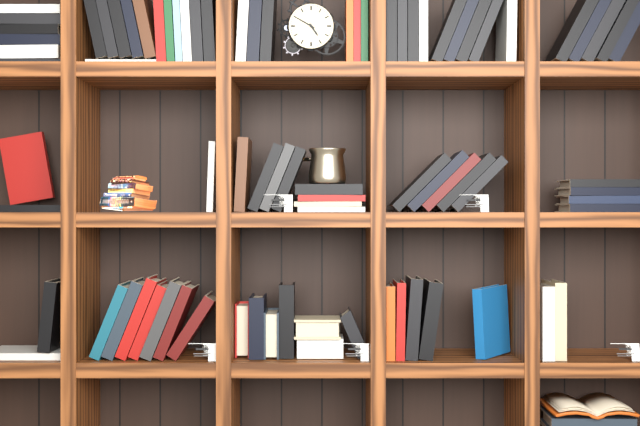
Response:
h=4 m=50
